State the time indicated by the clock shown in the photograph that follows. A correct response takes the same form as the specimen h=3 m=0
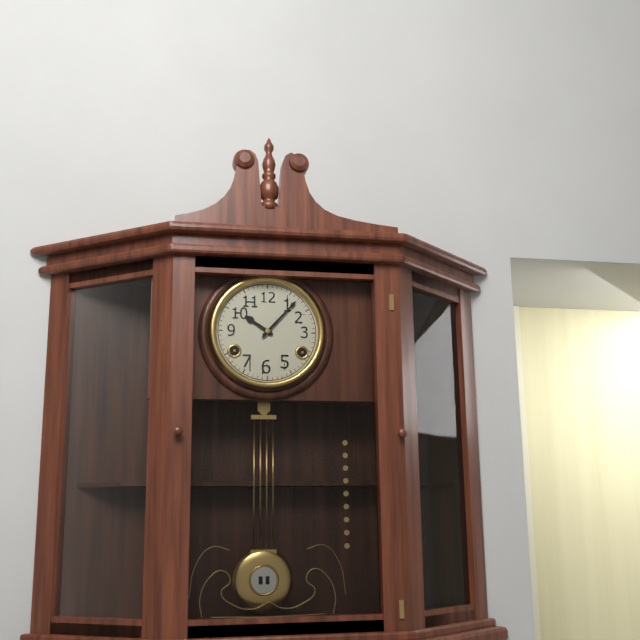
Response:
h=10 m=7
